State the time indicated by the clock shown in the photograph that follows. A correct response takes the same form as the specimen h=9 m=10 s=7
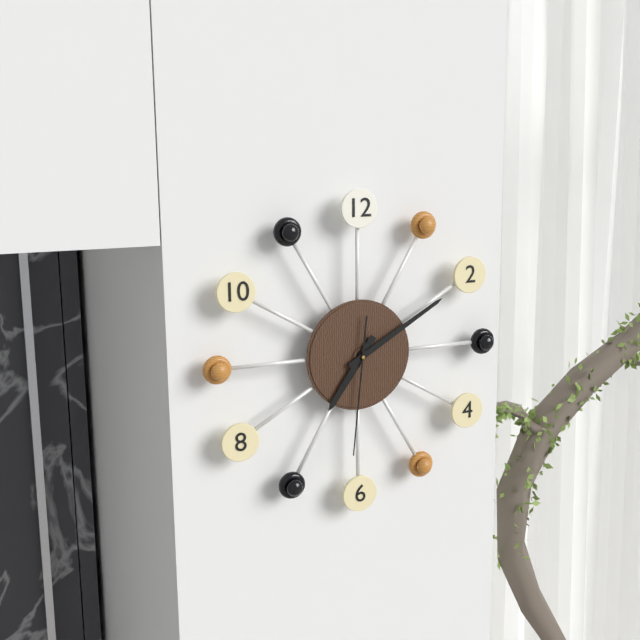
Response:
h=7 m=10 s=31
